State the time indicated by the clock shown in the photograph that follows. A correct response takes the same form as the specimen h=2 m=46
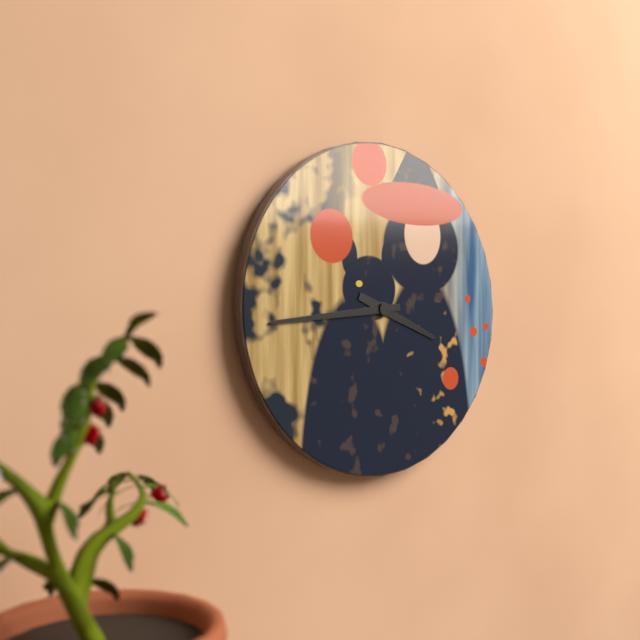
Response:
h=3 m=44
